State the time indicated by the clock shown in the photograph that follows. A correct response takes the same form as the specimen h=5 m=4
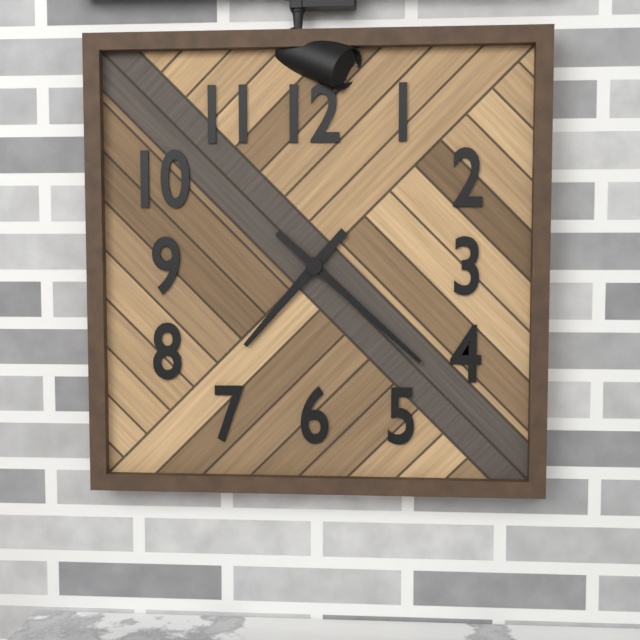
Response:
h=7 m=22
